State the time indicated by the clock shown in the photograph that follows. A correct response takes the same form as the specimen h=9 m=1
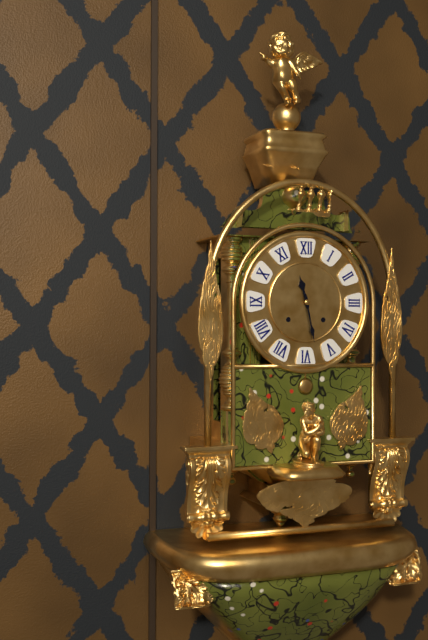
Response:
h=11 m=28
